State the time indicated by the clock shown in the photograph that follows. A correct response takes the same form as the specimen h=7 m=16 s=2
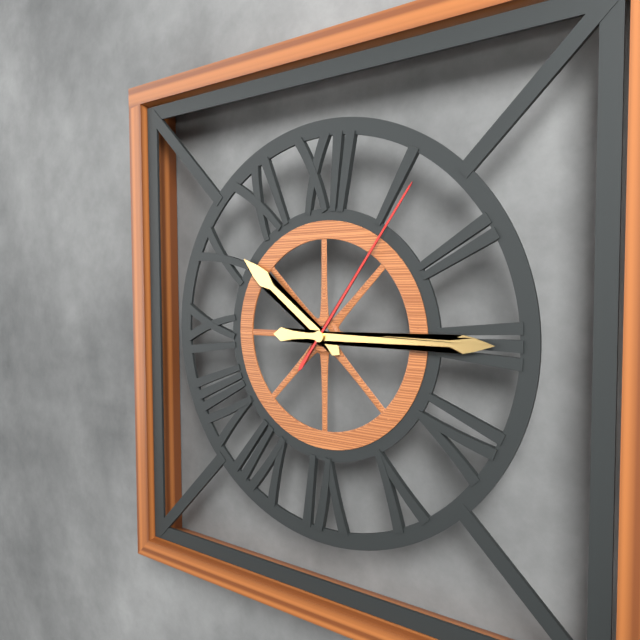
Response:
h=10 m=15 s=6
